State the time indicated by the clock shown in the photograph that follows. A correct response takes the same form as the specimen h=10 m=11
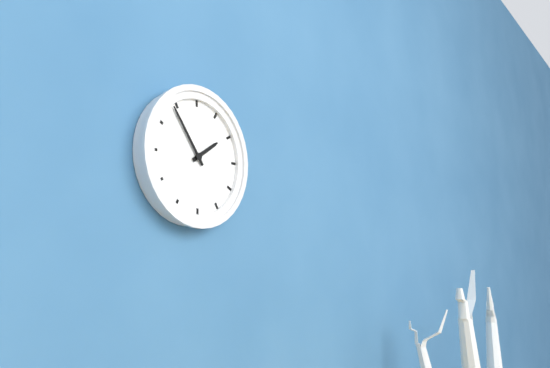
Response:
h=1 m=54
